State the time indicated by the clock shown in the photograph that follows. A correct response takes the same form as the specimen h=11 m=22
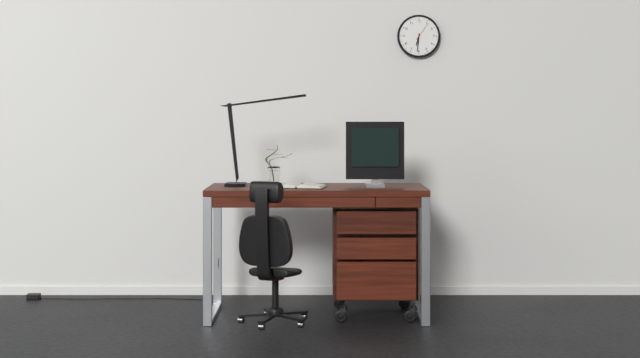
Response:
h=6 m=31
